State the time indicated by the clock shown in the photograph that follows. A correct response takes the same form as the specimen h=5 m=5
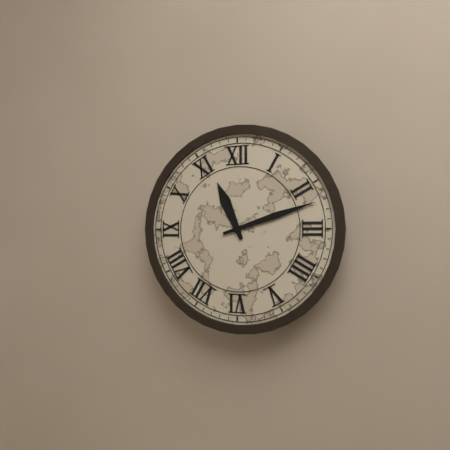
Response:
h=11 m=12
